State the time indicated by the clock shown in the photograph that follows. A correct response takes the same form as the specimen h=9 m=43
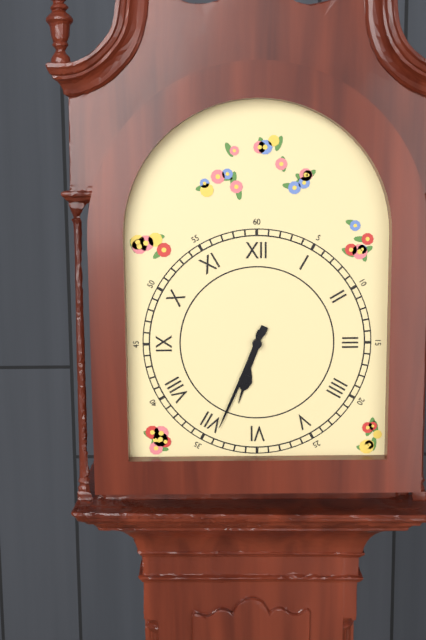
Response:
h=6 m=34
